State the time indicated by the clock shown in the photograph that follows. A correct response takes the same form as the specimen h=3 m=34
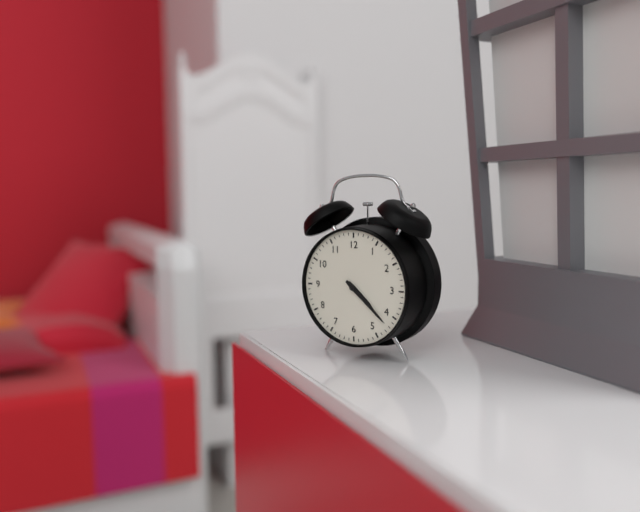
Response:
h=4 m=22
